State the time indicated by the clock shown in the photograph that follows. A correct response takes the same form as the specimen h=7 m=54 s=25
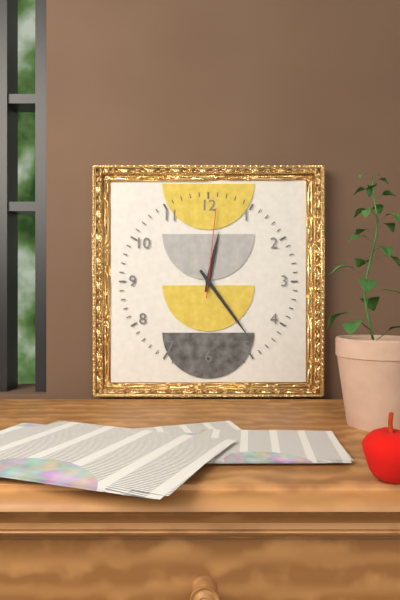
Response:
h=12 m=24 s=1
